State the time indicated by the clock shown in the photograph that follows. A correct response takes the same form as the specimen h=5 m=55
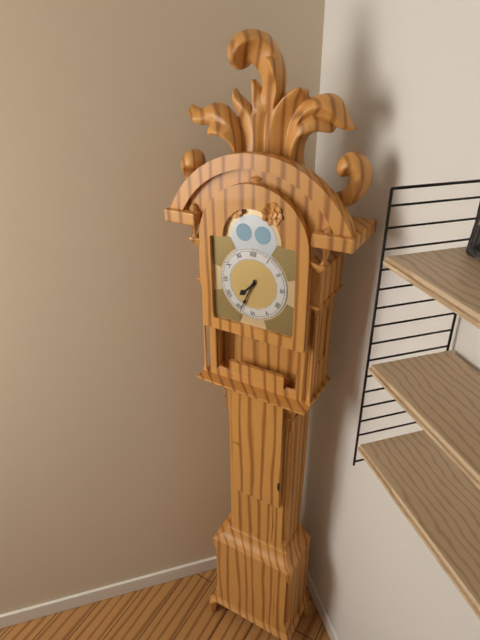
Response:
h=7 m=34
